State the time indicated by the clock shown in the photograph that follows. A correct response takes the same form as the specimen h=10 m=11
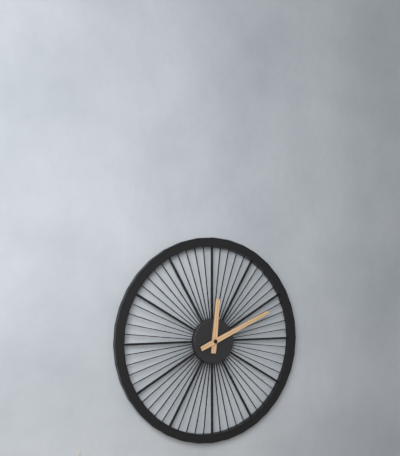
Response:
h=12 m=11
